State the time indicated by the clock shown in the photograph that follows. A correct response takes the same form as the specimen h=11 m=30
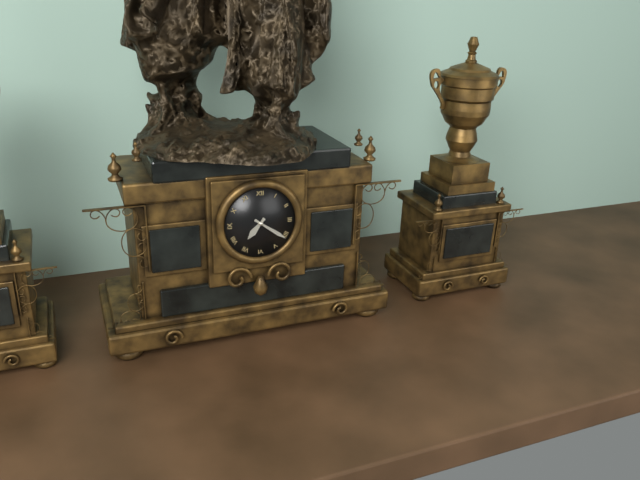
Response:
h=7 m=21
